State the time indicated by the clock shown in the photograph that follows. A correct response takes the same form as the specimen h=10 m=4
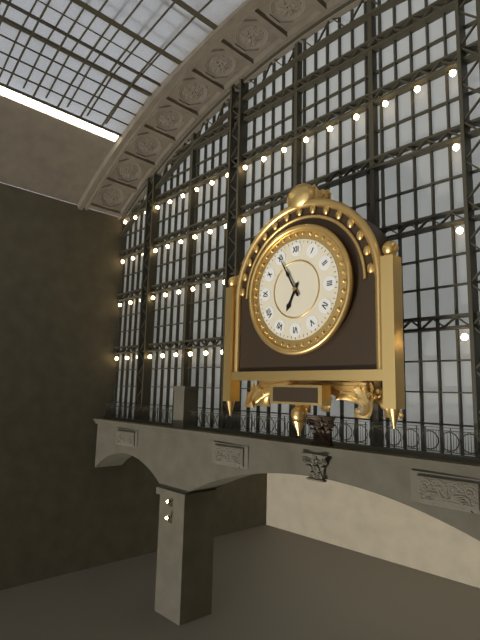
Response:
h=6 m=55
